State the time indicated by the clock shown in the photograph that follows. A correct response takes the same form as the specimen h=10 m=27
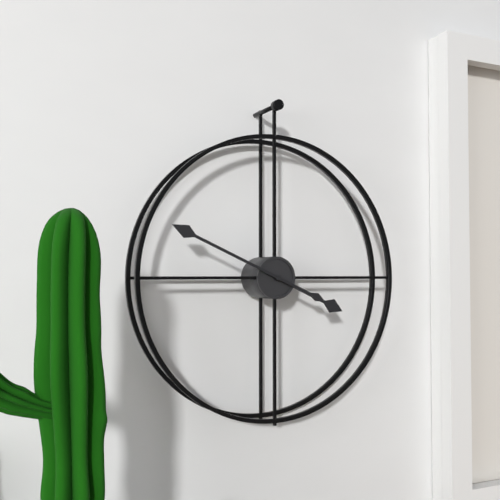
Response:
h=3 m=49
